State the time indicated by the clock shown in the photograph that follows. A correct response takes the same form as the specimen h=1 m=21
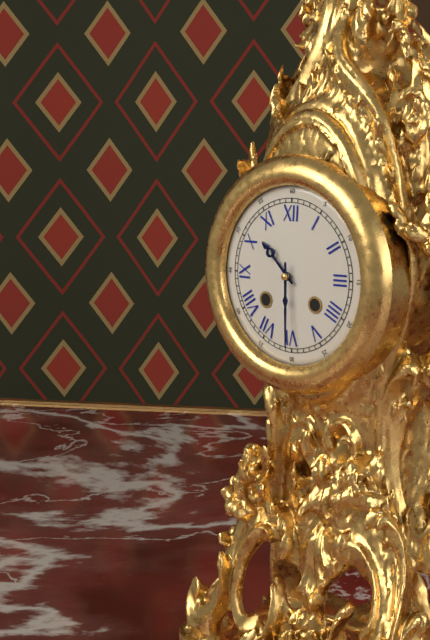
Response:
h=10 m=30
